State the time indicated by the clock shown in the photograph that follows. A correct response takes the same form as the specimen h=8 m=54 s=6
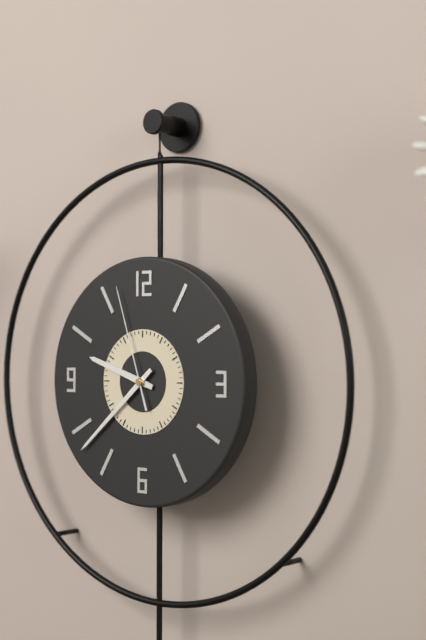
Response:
h=9 m=38 s=57
